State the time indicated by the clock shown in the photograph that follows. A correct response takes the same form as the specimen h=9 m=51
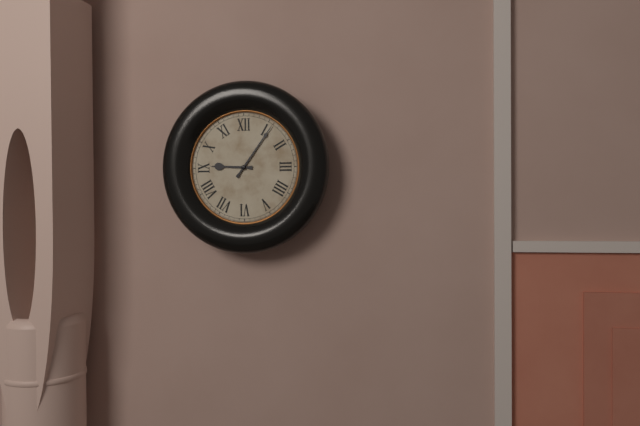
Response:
h=9 m=6
